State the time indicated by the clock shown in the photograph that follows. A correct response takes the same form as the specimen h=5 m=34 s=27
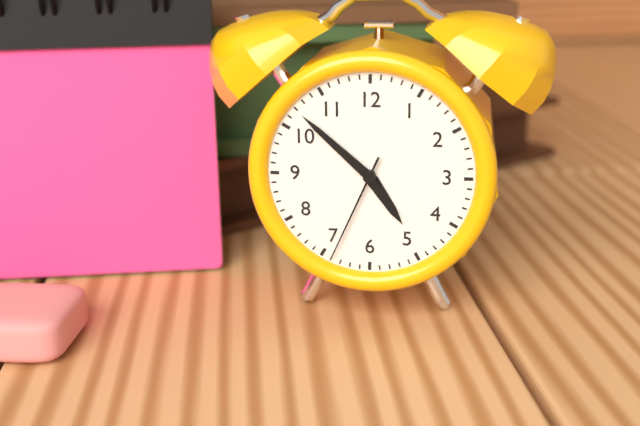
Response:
h=4 m=52 s=34
